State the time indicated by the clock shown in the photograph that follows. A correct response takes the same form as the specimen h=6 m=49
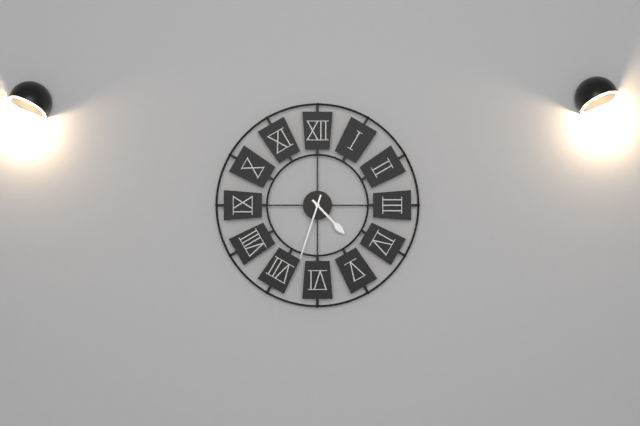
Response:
h=4 m=33
